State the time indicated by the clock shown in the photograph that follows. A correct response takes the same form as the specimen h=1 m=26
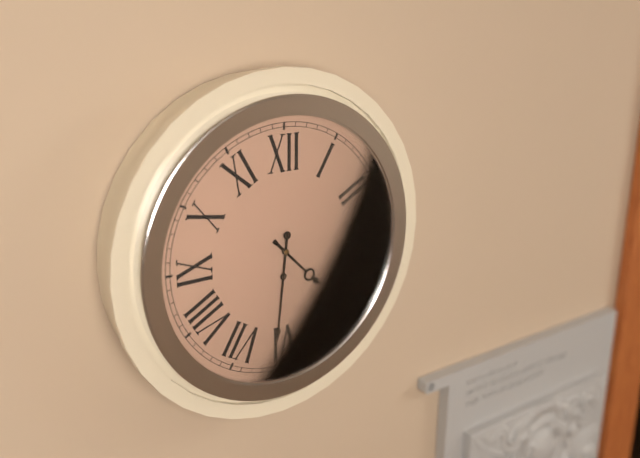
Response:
h=4 m=31
